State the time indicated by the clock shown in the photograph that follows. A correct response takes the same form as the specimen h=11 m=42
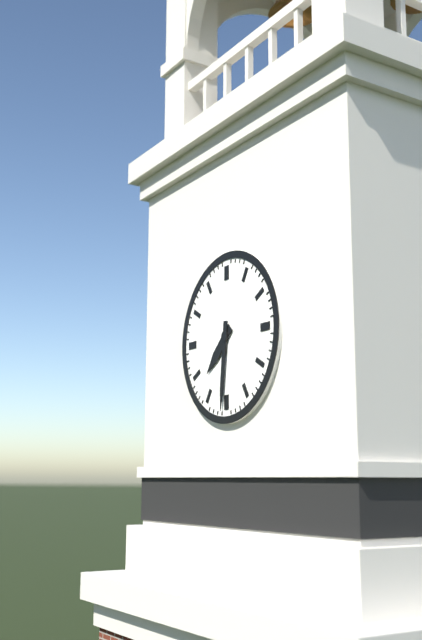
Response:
h=7 m=31
